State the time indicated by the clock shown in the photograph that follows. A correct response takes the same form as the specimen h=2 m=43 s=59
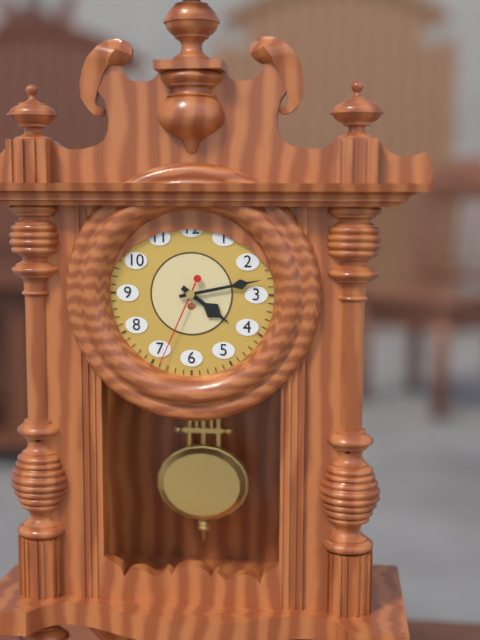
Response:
h=4 m=13 s=34
